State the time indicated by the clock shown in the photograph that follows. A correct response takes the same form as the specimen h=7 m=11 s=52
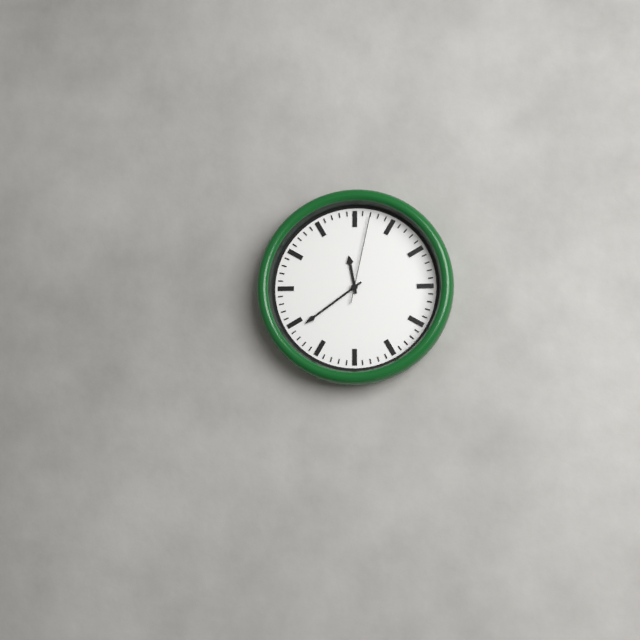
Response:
h=11 m=39 s=2
